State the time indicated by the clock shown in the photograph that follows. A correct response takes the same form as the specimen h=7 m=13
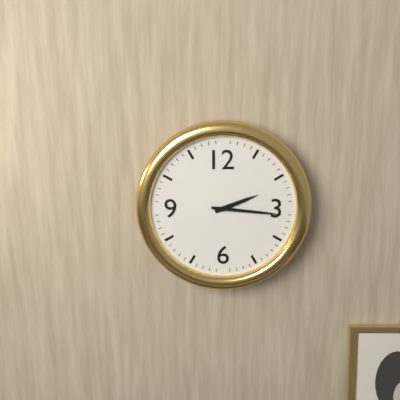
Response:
h=2 m=16
